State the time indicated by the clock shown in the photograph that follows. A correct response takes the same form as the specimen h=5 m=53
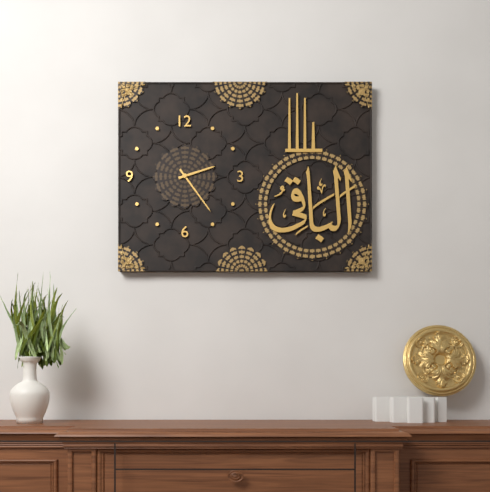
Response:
h=2 m=24
